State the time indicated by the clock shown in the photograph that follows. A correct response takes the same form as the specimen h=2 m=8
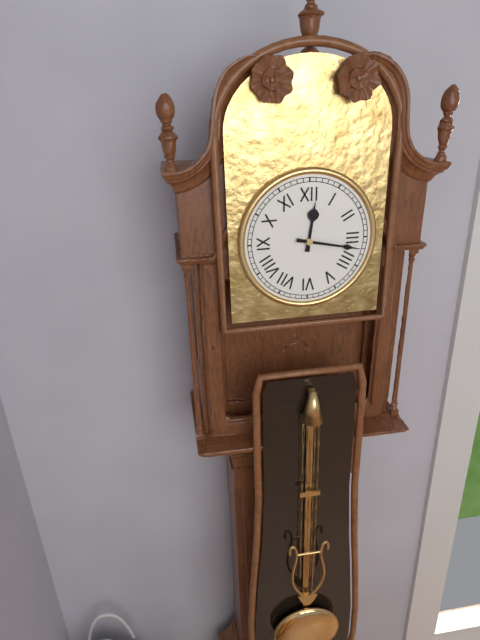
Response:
h=12 m=17
